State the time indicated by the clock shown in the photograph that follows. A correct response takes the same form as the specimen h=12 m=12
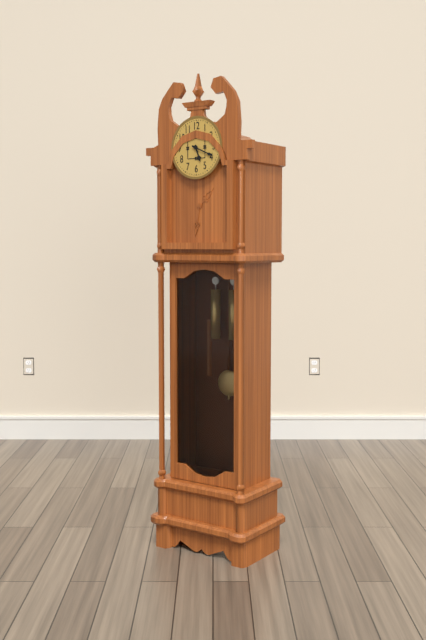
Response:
h=5 m=19
